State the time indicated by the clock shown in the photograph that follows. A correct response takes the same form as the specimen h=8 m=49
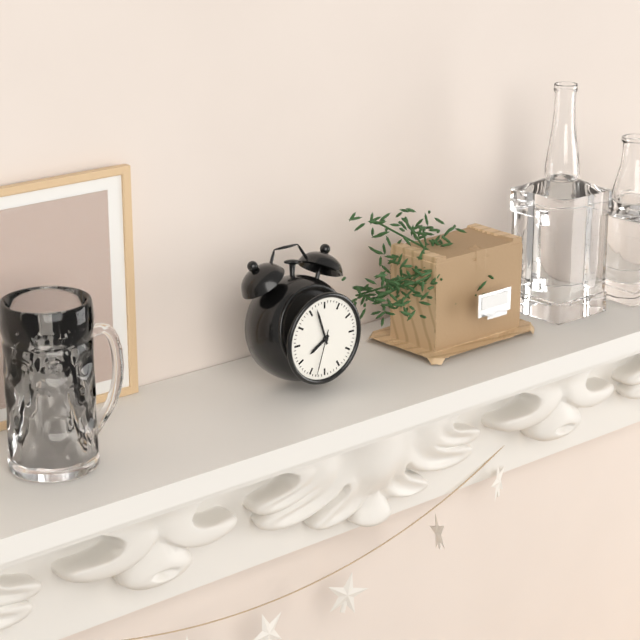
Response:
h=7 m=57
